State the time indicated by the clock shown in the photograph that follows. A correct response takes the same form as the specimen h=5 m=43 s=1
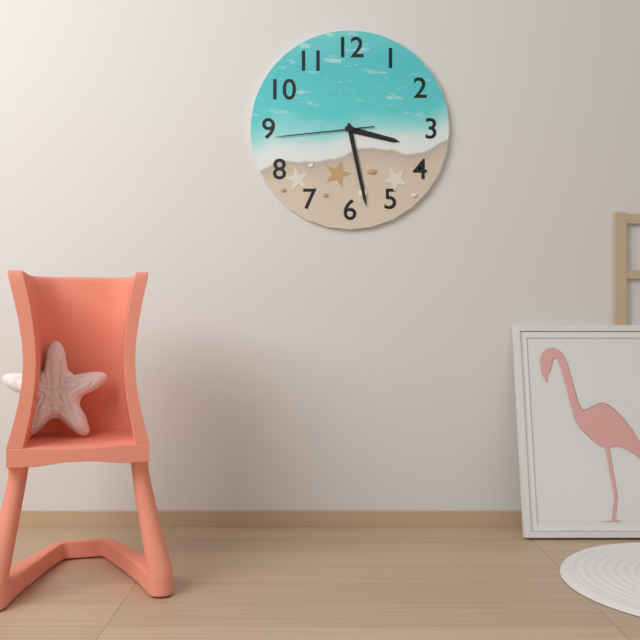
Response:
h=3 m=28 s=44
